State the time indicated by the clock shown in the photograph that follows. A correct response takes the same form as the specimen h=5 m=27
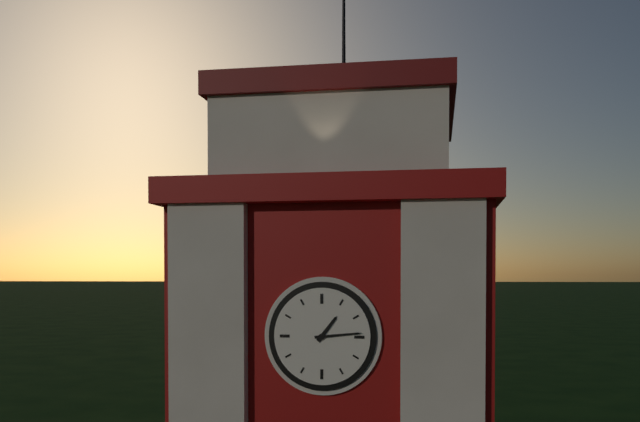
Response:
h=1 m=14
